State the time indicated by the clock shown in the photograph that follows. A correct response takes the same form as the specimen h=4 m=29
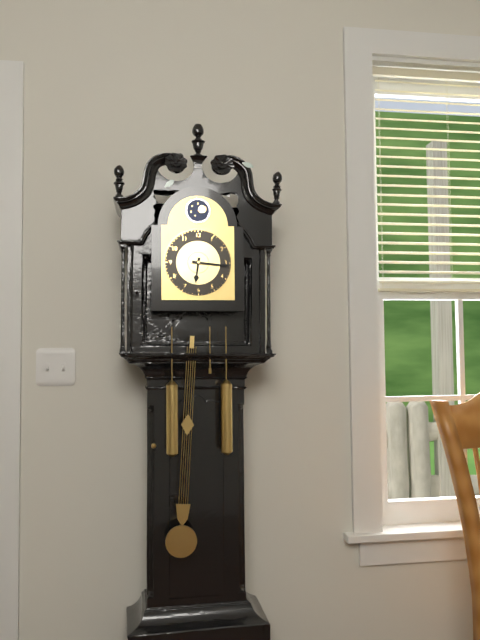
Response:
h=6 m=16
